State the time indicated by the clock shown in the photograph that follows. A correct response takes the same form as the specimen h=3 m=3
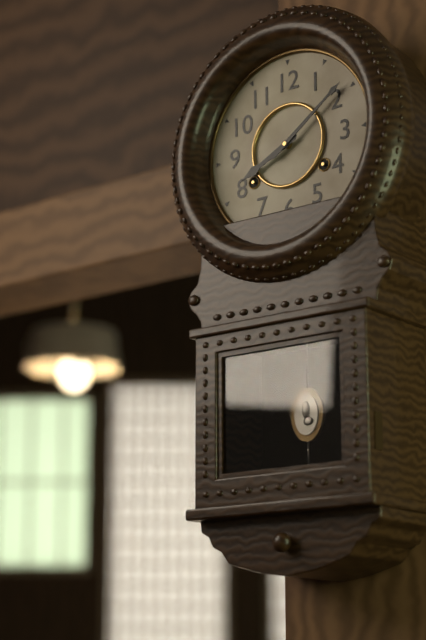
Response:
h=8 m=9
